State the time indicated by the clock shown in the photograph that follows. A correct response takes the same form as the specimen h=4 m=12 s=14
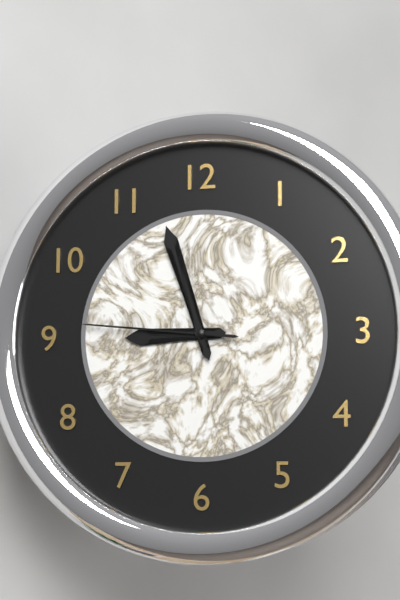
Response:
h=8 m=57 s=46
